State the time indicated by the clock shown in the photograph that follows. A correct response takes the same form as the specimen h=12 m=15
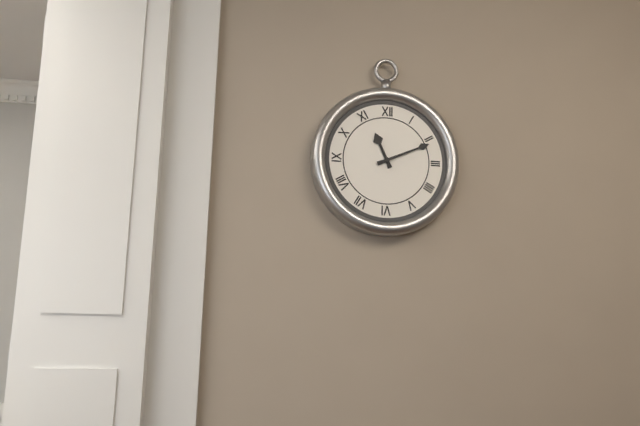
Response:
h=11 m=11
